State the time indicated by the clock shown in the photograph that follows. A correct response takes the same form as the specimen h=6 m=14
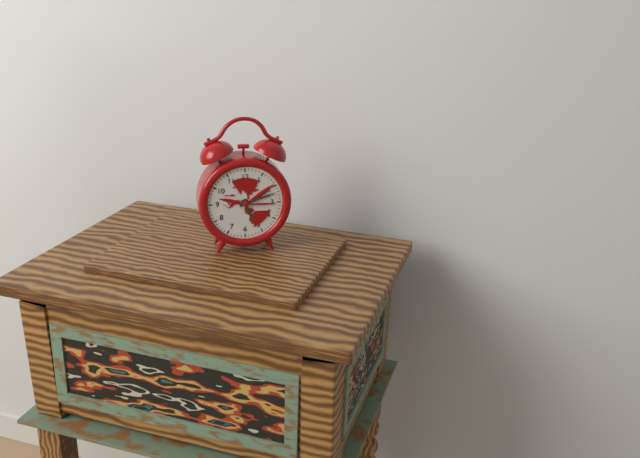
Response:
h=5 m=12
